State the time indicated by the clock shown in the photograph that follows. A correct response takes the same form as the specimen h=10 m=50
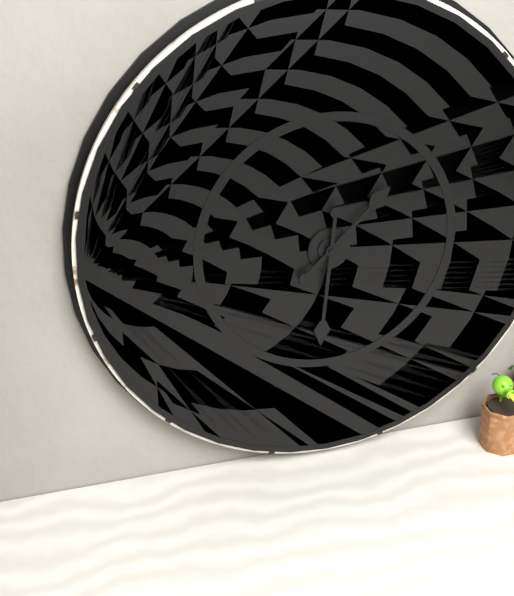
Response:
h=1 m=31
